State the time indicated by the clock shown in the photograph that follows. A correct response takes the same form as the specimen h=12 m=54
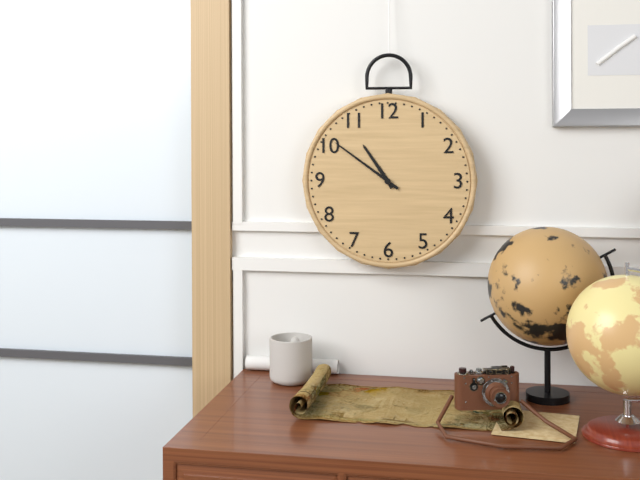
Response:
h=10 m=51
